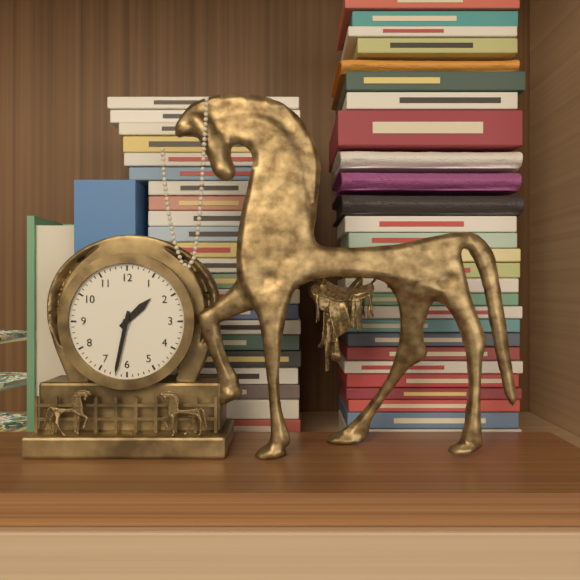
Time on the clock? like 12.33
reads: 1.32
